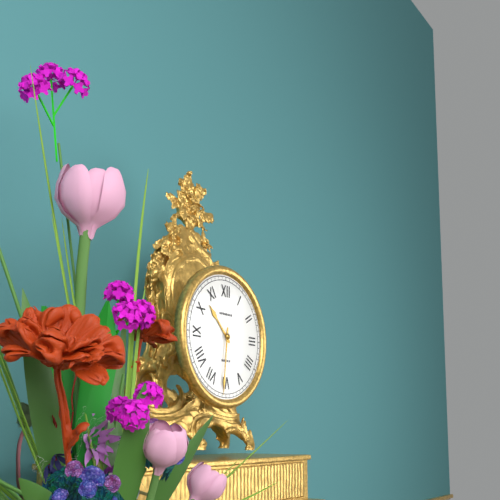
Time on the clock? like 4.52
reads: 10.31
